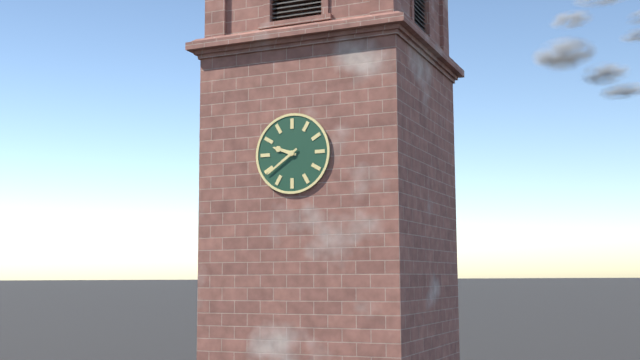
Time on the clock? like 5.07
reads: 9.39
